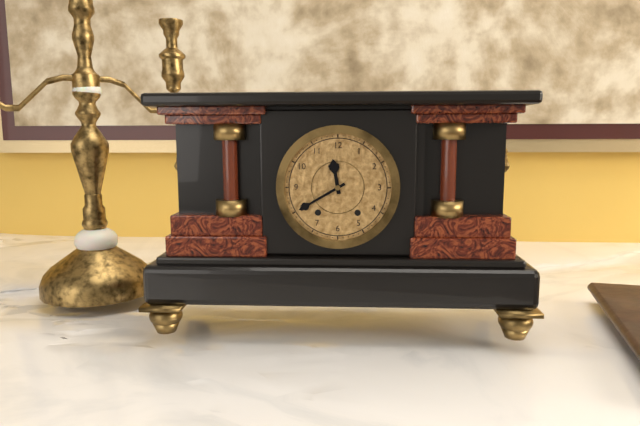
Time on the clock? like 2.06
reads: 11.40
